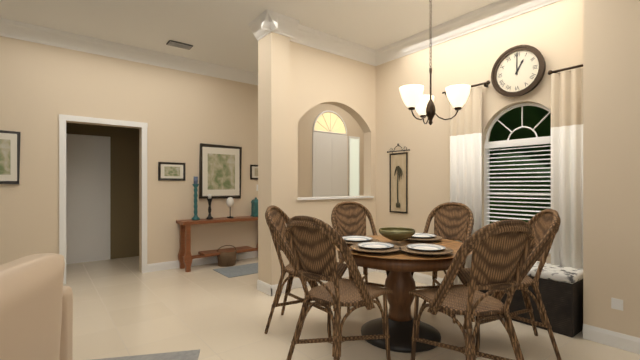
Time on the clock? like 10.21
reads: 1.00
